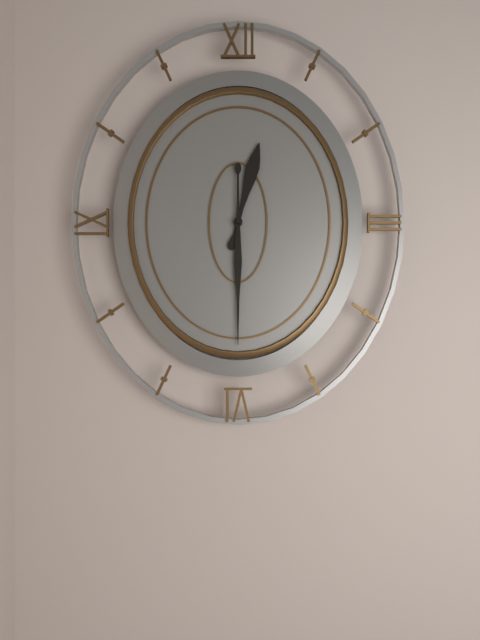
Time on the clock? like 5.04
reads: 12.30
